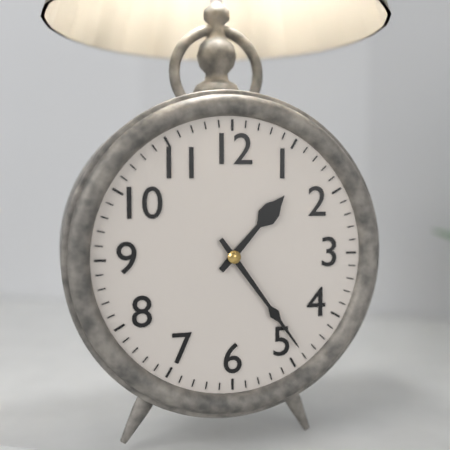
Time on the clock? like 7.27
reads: 1.24
